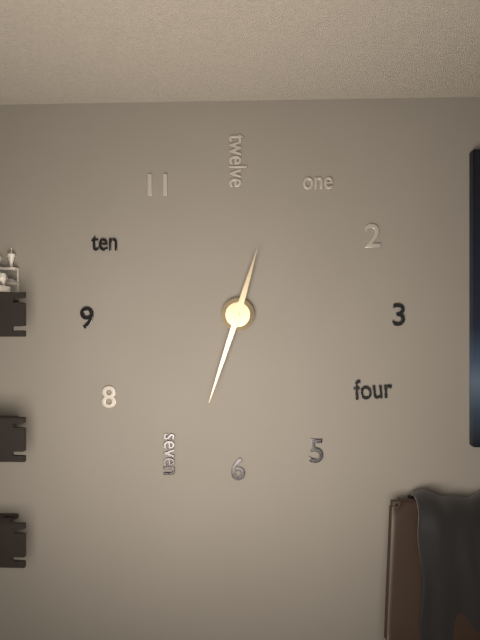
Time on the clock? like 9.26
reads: 12.33
